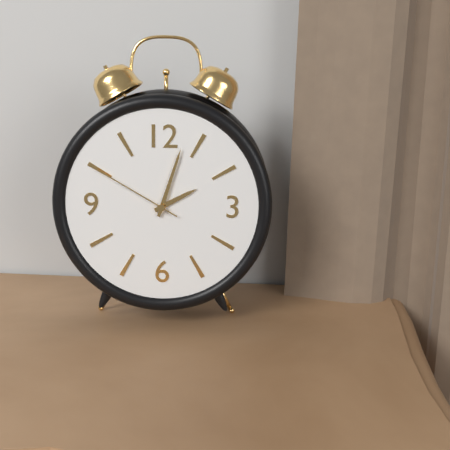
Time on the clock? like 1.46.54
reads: 2.03.50
